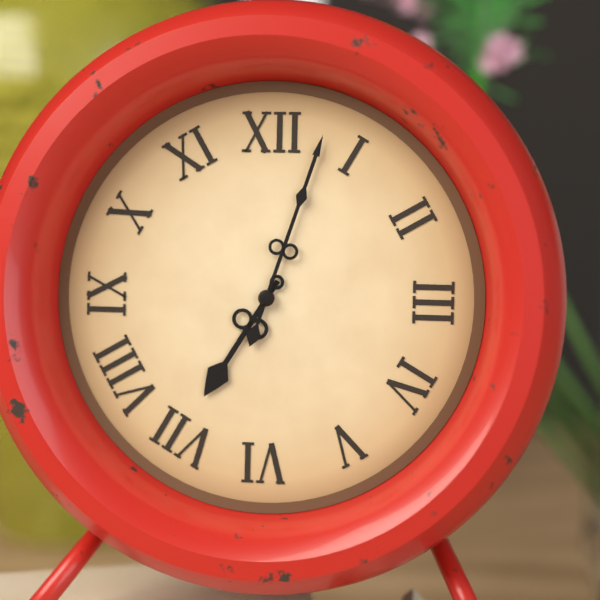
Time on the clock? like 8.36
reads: 7.03
